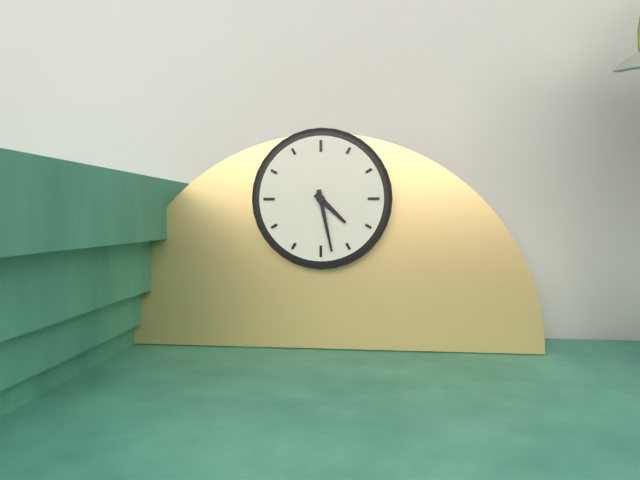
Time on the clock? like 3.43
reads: 4.28
